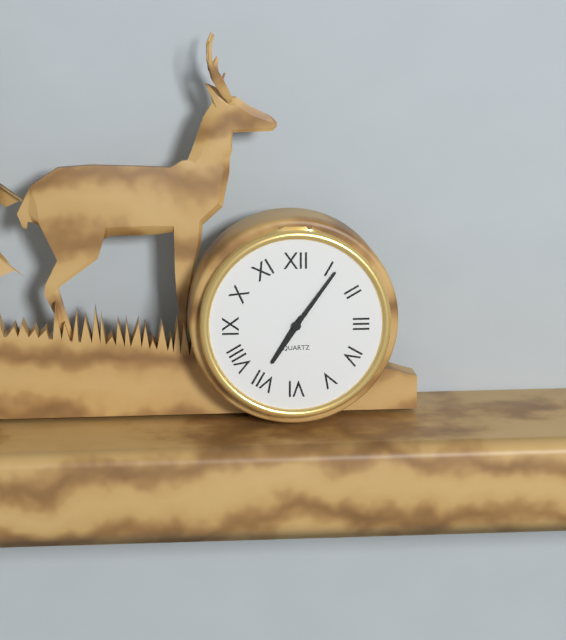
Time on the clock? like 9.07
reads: 7.06
